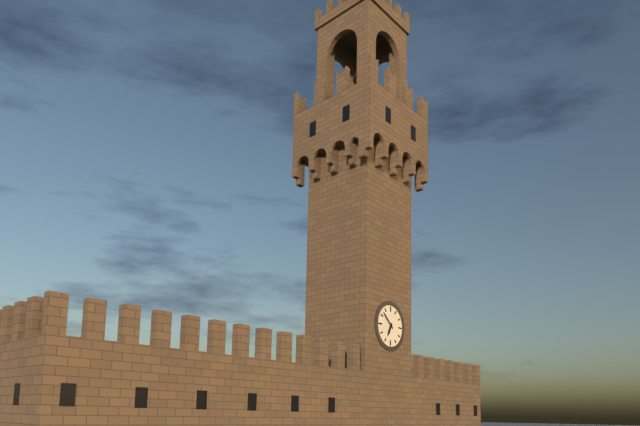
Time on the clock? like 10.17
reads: 6.52
